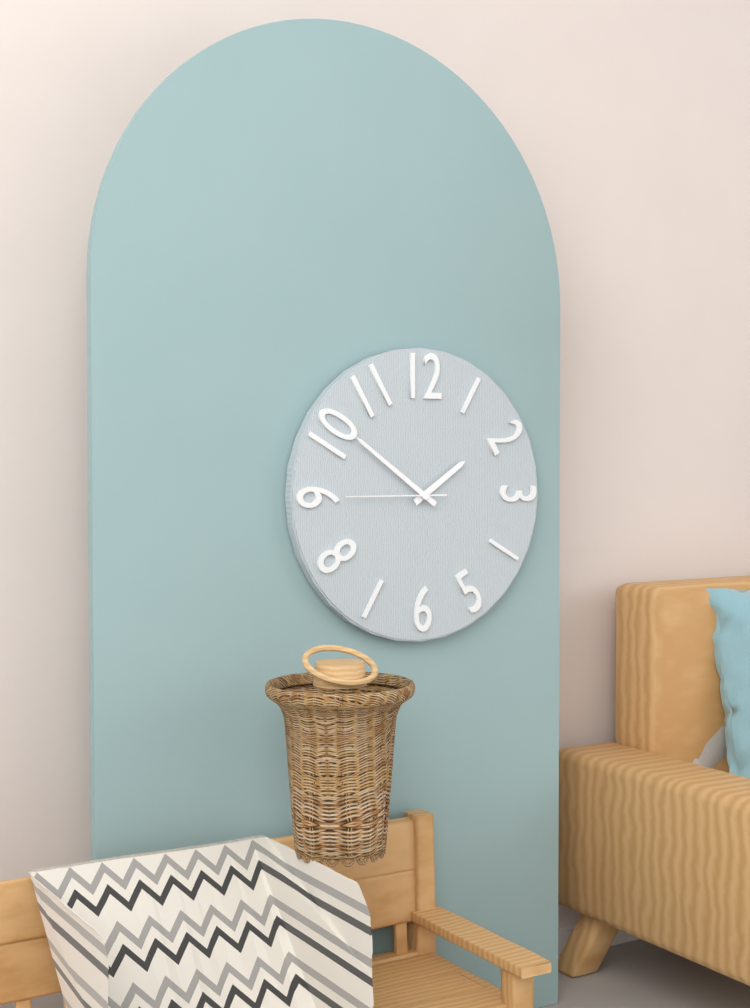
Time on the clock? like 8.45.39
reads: 1.51.45
